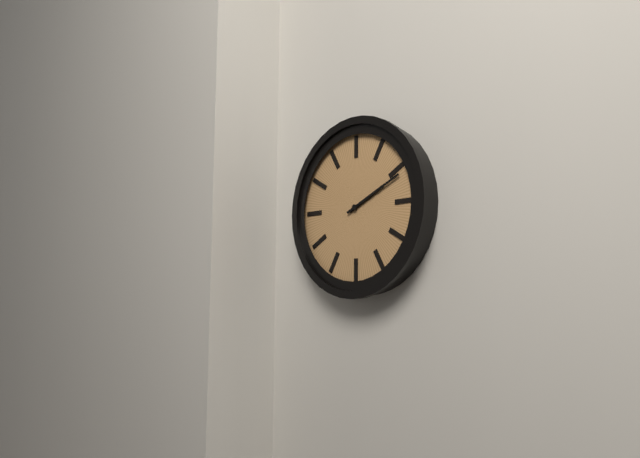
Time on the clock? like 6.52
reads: 2.11
